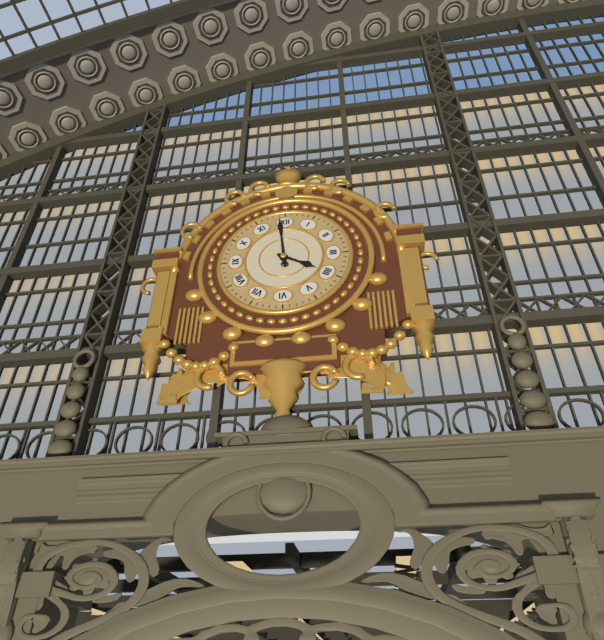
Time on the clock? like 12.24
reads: 3.59
